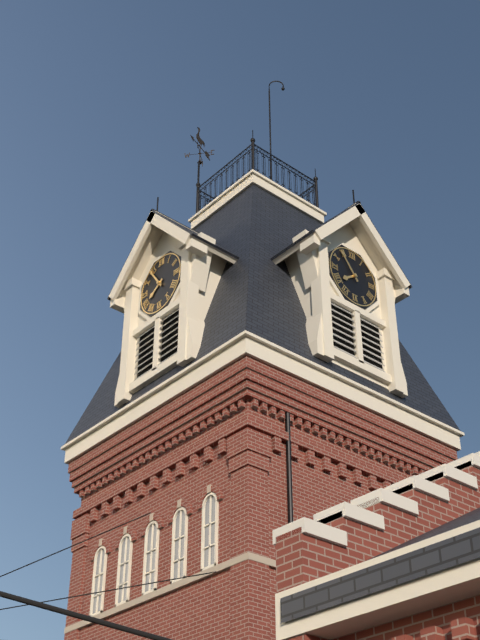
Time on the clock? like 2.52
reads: 7.54
